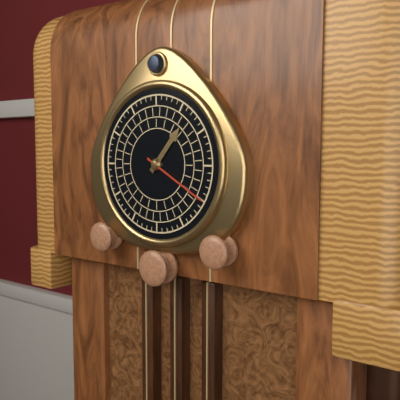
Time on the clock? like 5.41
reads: 1.20
